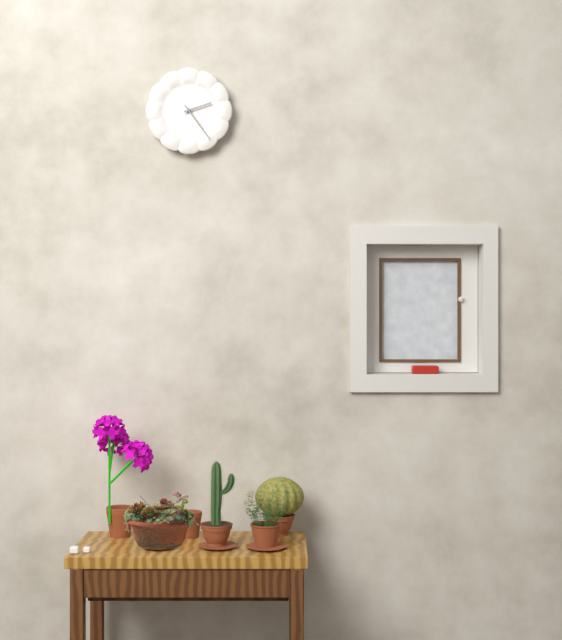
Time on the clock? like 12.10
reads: 2.24
